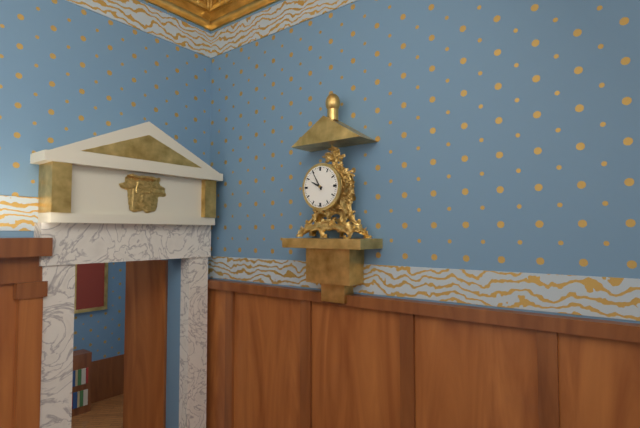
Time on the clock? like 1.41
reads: 9.55
